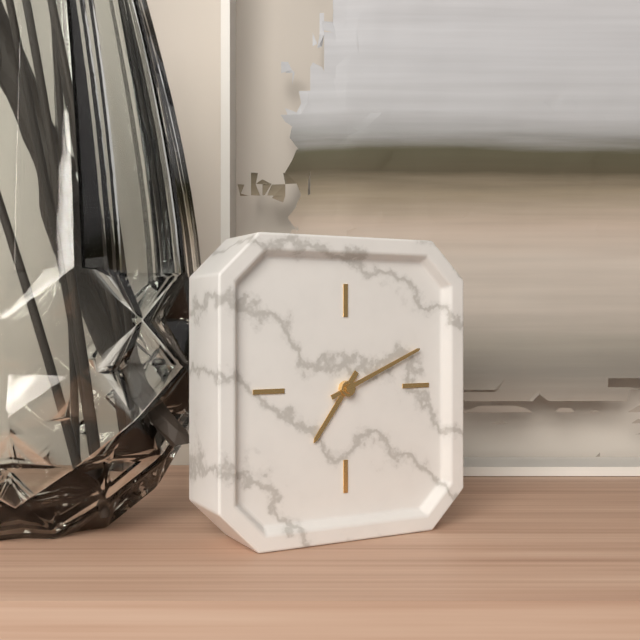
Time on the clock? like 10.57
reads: 7.11
